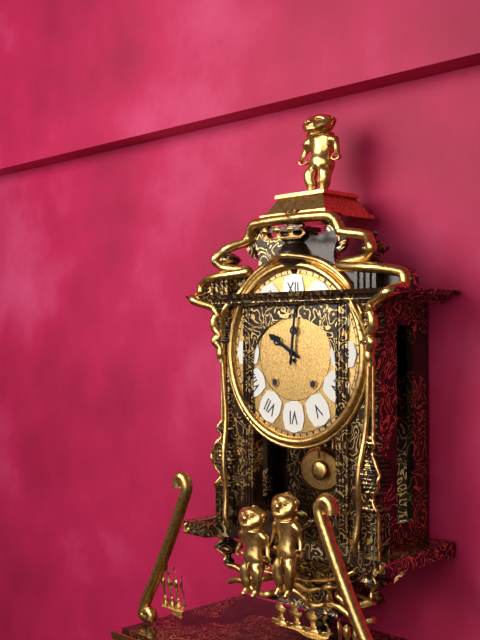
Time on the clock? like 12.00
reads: 10.01
